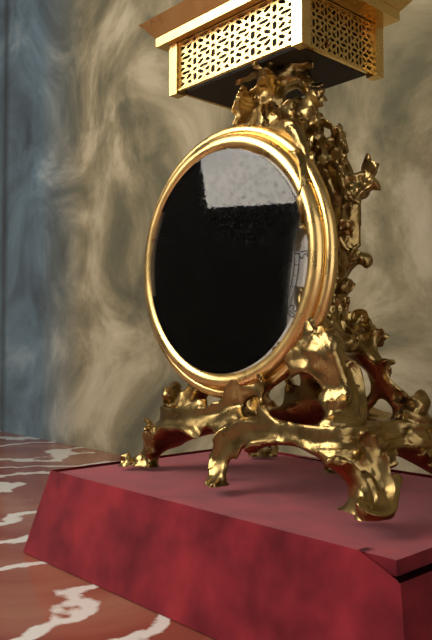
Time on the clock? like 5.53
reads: 4.13
